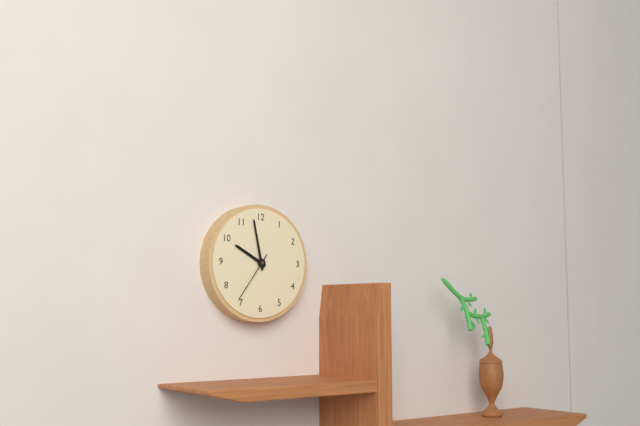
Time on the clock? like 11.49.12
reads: 9.58.36
